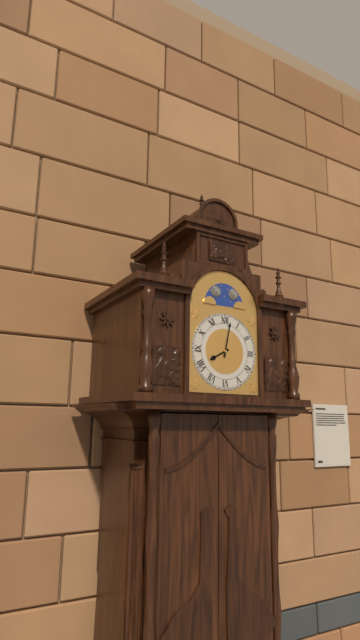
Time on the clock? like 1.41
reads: 8.02
